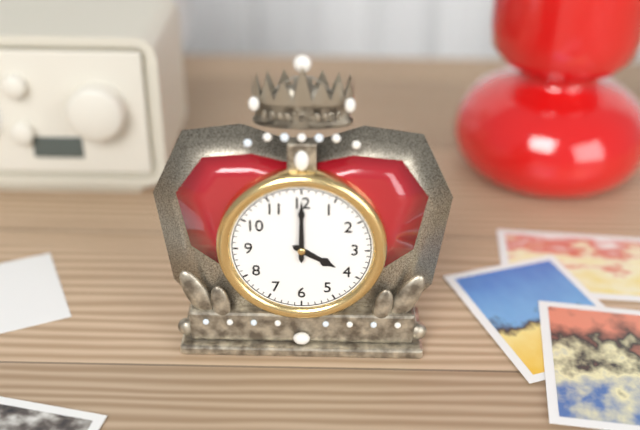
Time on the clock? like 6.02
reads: 4.00
